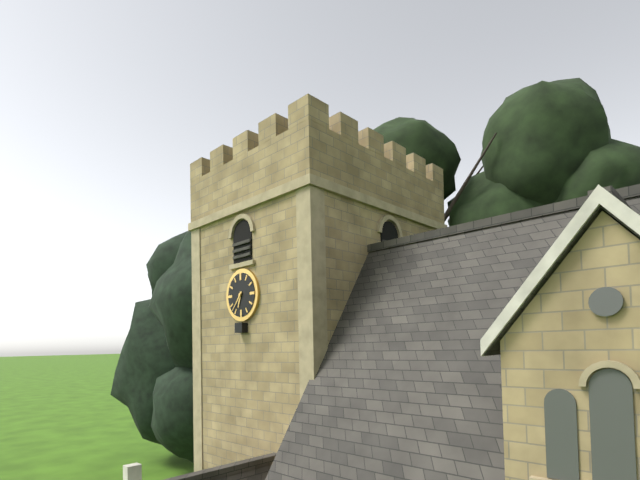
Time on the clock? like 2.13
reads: 6.37
